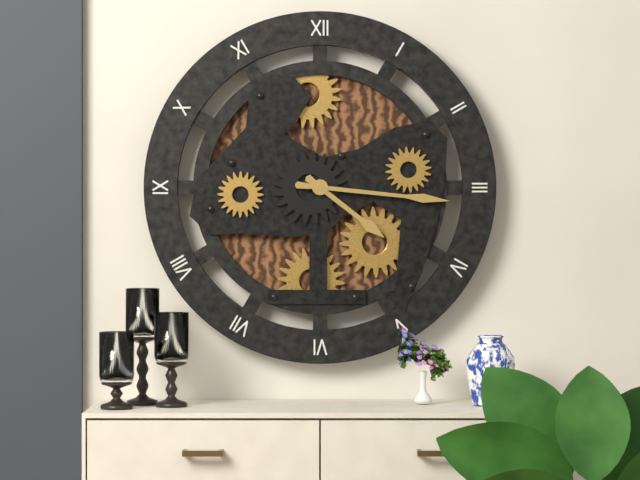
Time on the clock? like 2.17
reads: 4.16
